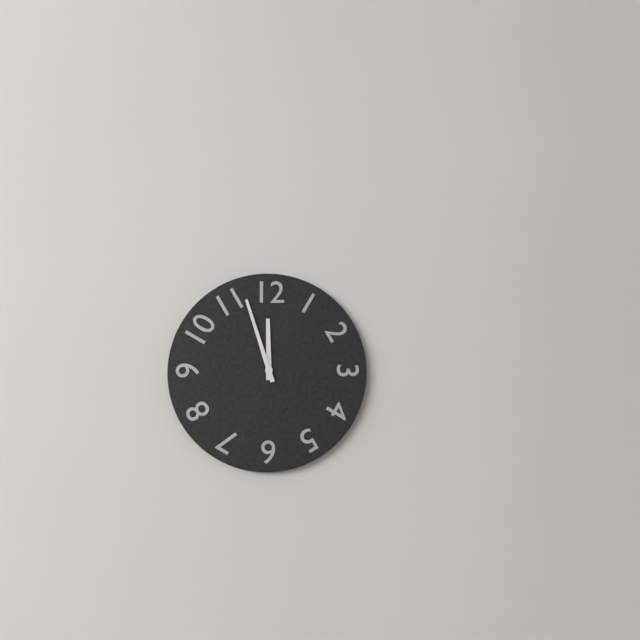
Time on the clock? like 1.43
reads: 11.57
